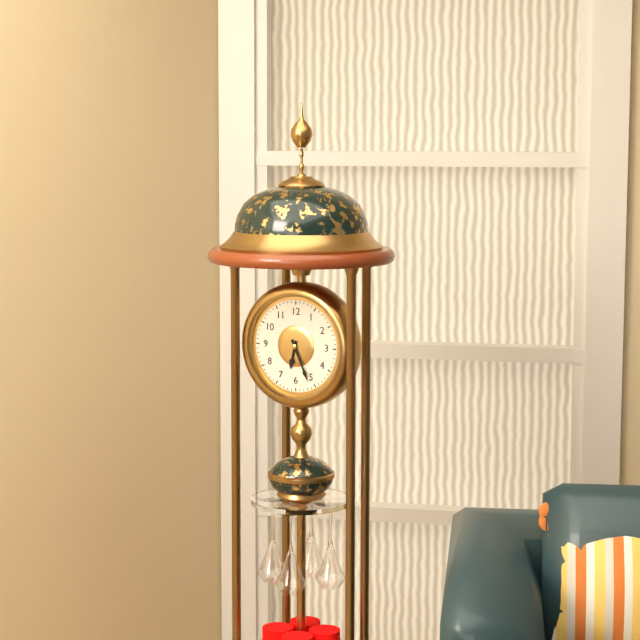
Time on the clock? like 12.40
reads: 6.26
